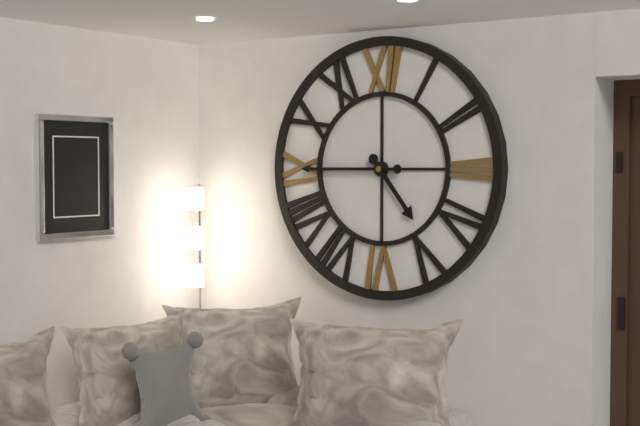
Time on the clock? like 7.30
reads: 4.45
